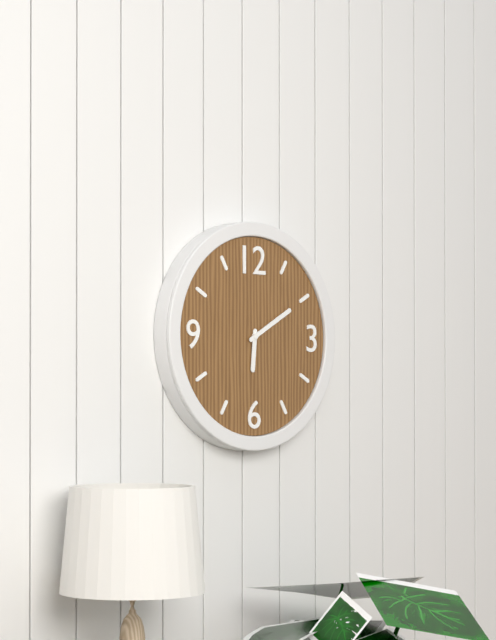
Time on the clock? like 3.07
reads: 6.10
